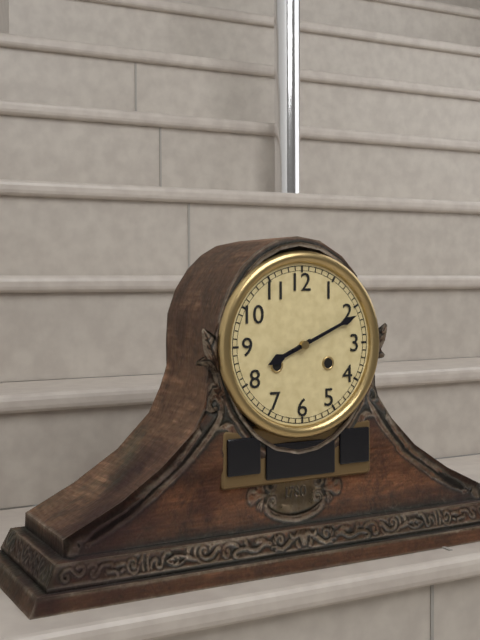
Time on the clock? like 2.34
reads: 8.11
